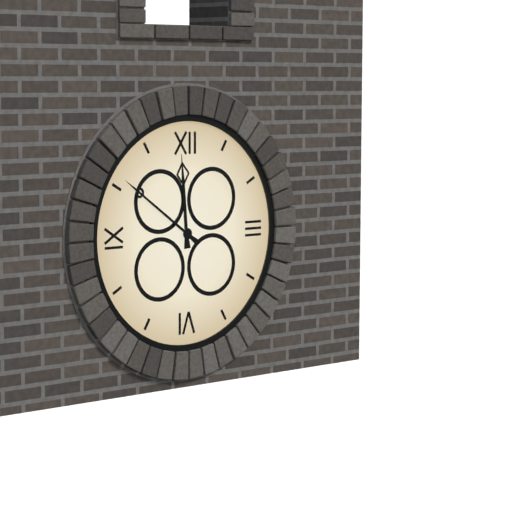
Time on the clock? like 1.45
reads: 11.51
